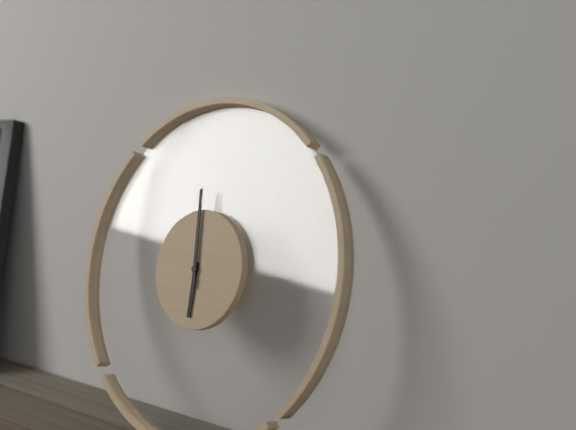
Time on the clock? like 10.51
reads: 5.59
